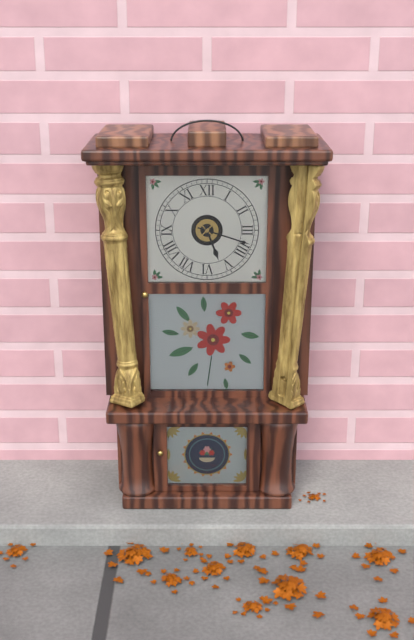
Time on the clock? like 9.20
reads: 5.18
